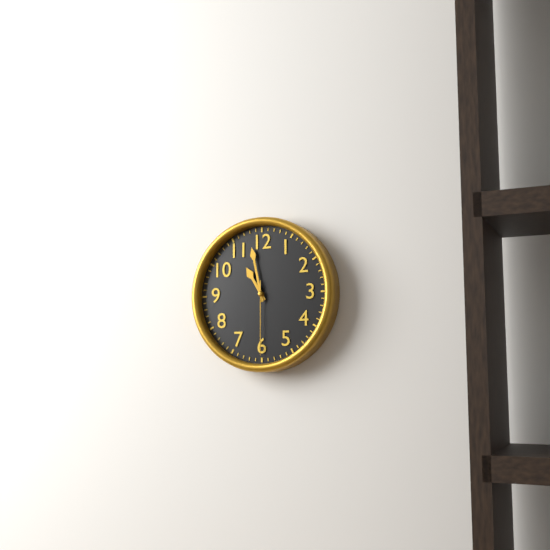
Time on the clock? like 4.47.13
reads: 10.58.30
